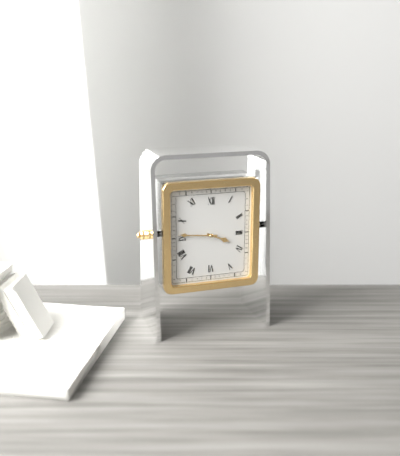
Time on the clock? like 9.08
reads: 3.46
